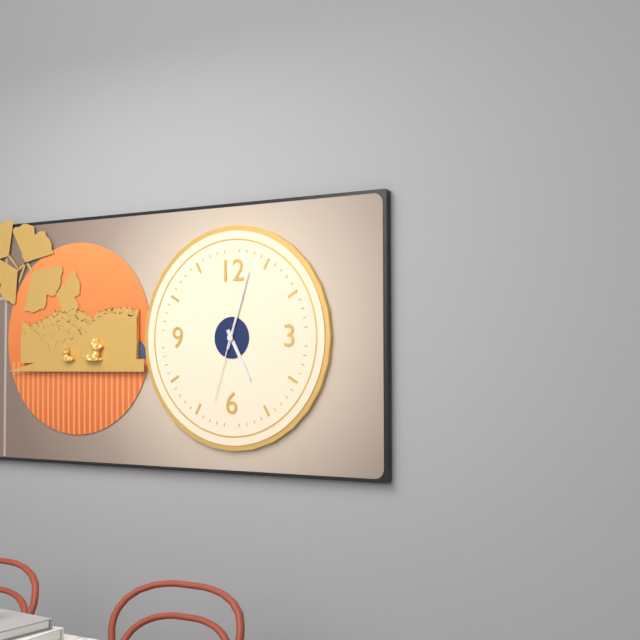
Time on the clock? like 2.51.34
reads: 5.03.33
